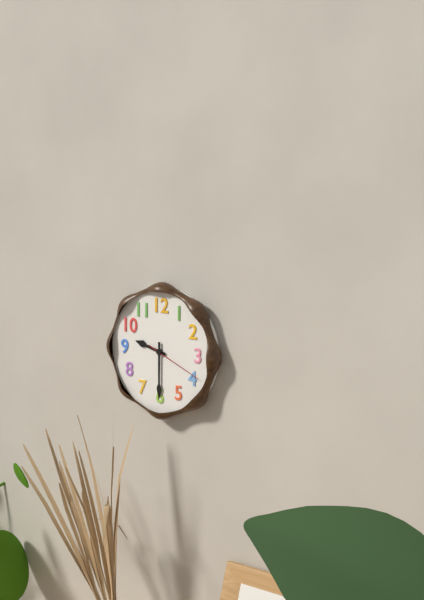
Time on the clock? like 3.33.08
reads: 9.30.19
